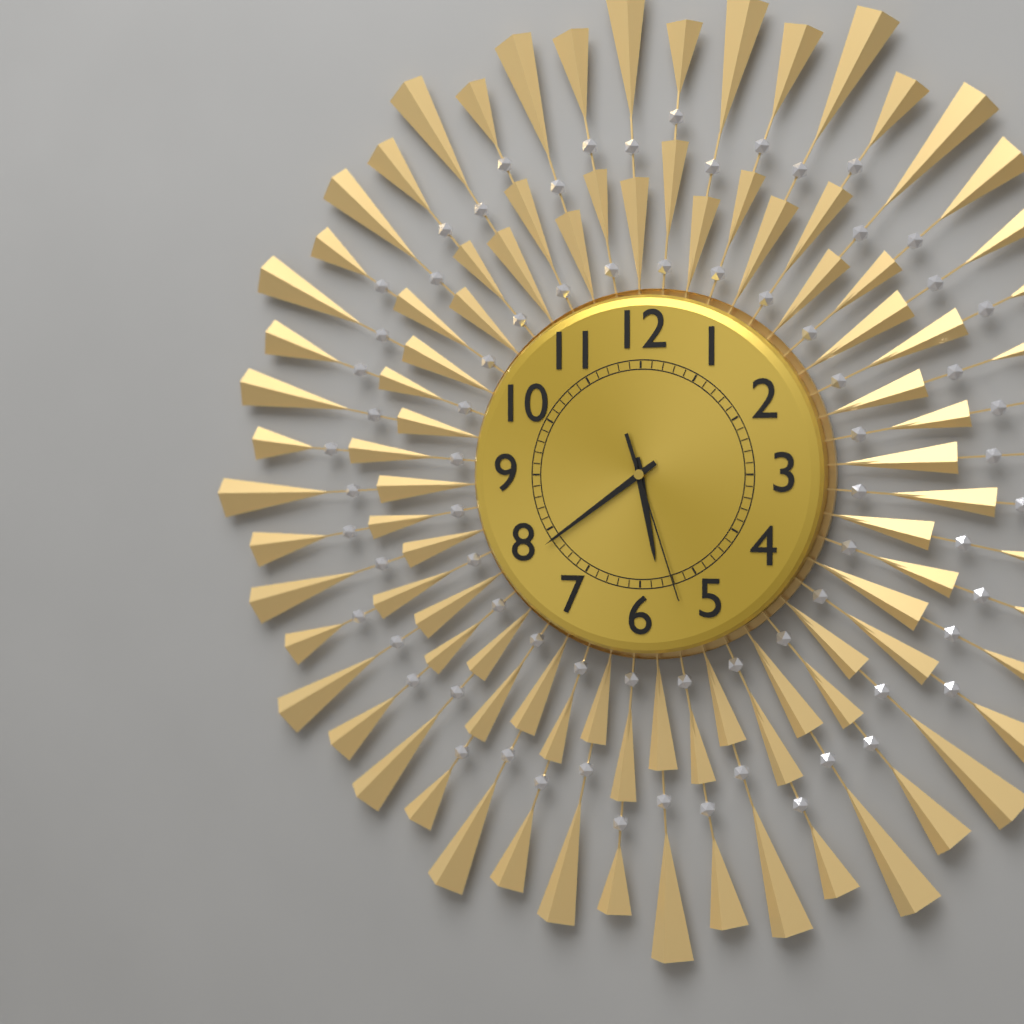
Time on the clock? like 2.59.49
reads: 5.39.27
